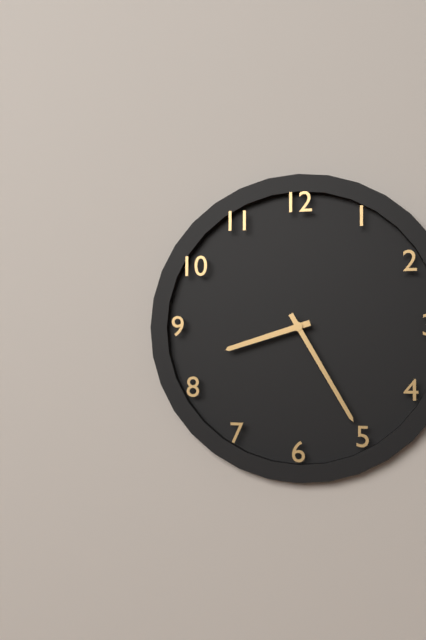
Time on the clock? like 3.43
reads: 8.25
